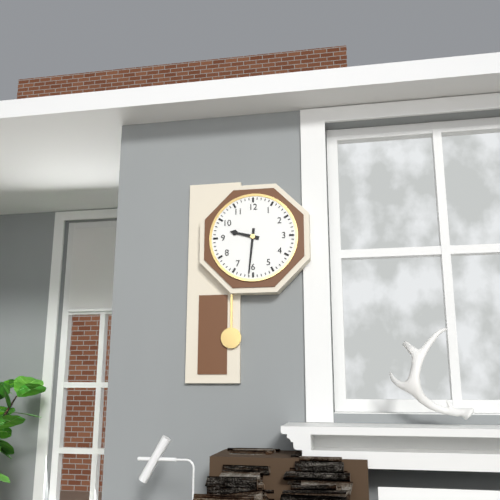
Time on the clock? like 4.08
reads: 9.31
